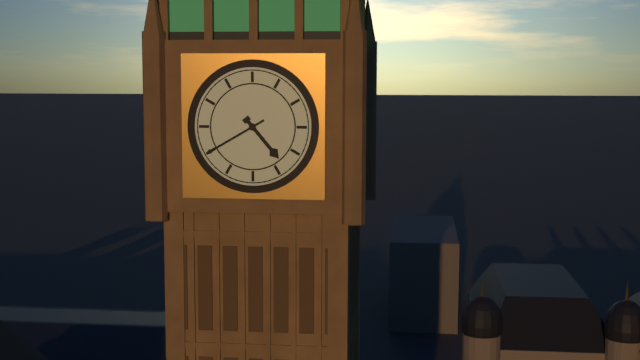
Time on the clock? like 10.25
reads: 4.40
